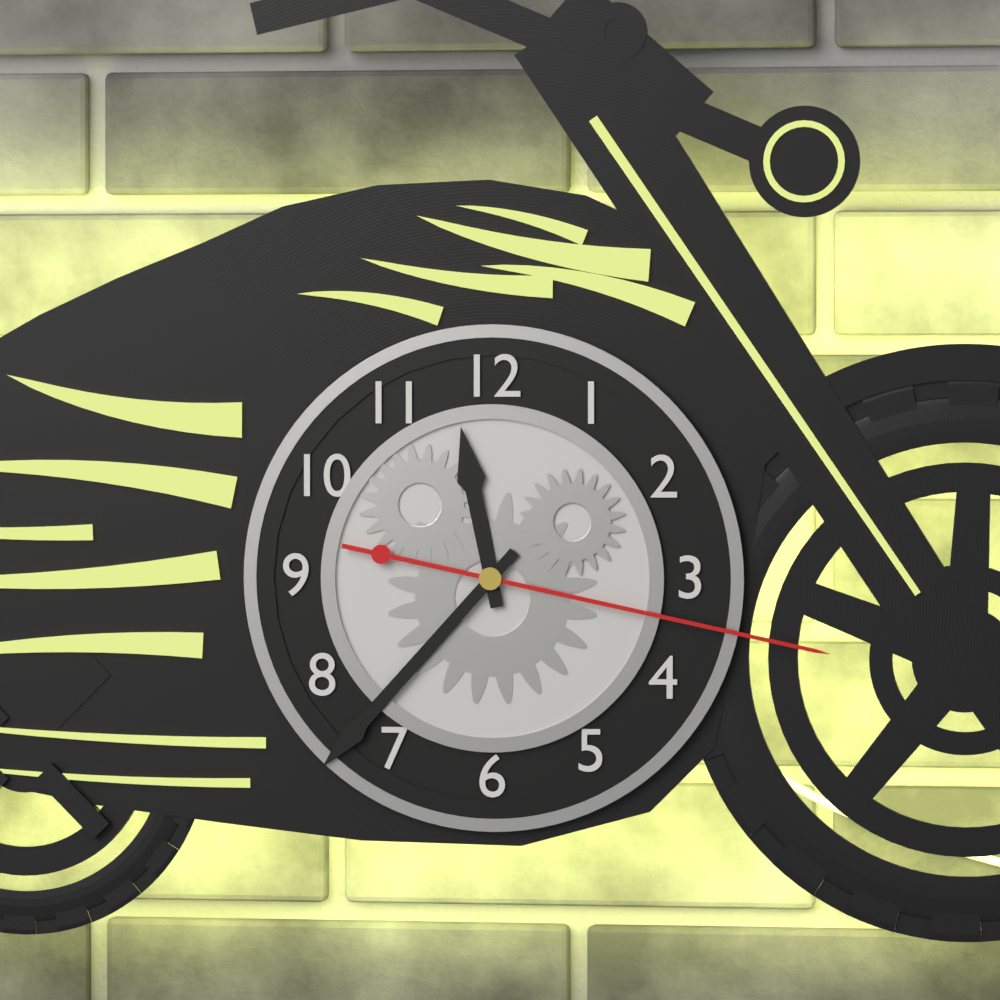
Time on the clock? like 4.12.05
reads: 11.37.17
